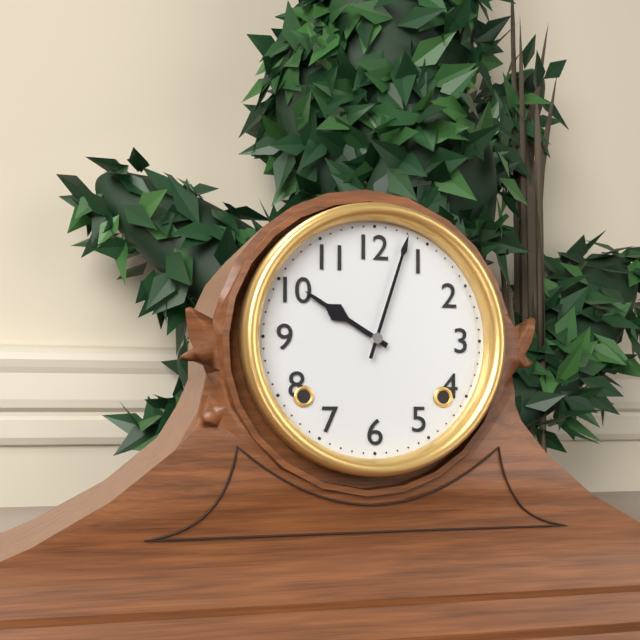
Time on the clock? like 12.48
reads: 10.03
